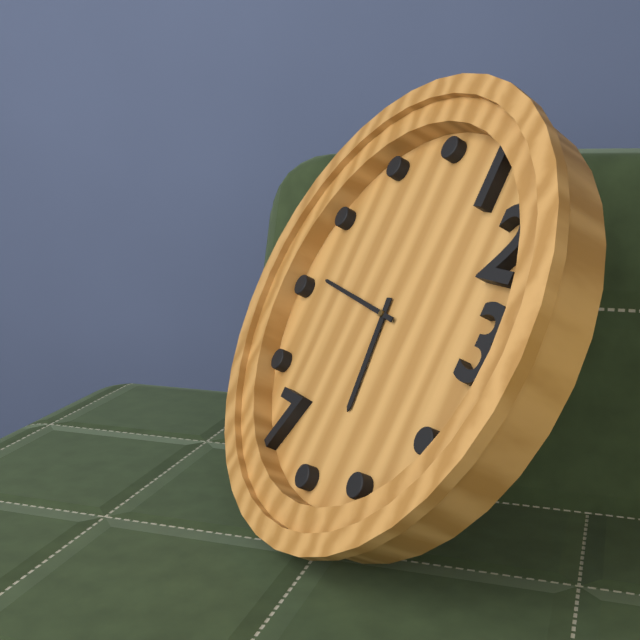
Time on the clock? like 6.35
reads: 5.46
